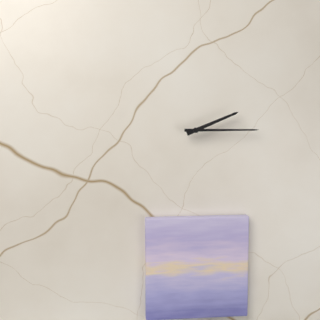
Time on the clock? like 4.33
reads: 2.15
